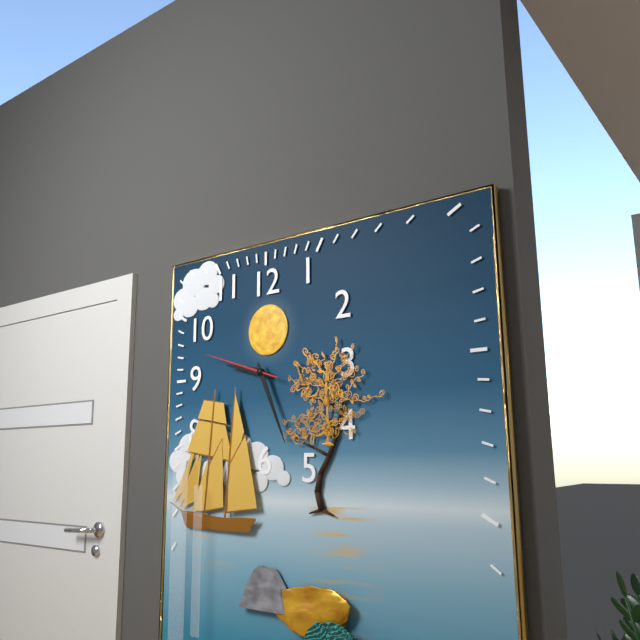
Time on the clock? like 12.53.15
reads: 9.26.48
